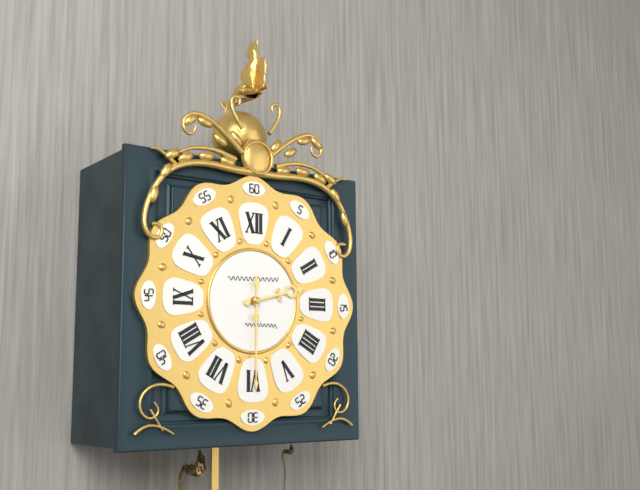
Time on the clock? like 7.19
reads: 2.30
